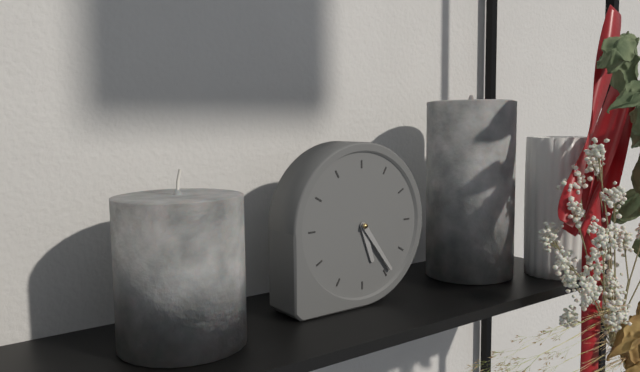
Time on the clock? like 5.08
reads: 5.24
